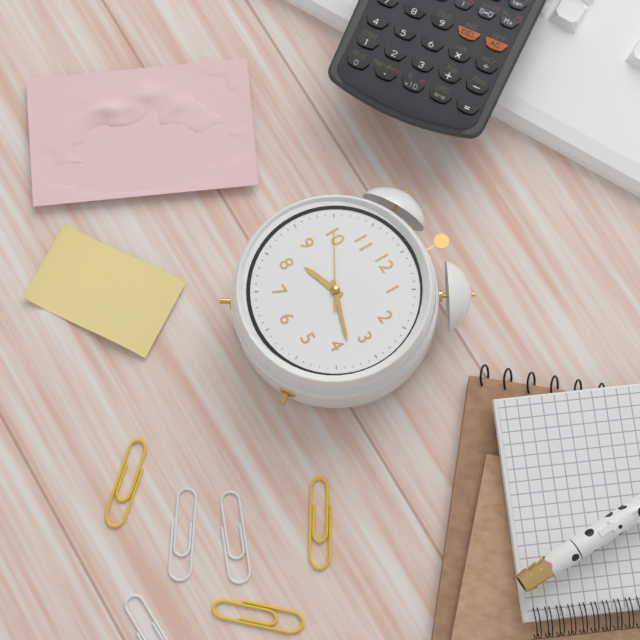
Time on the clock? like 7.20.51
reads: 8.18.50
